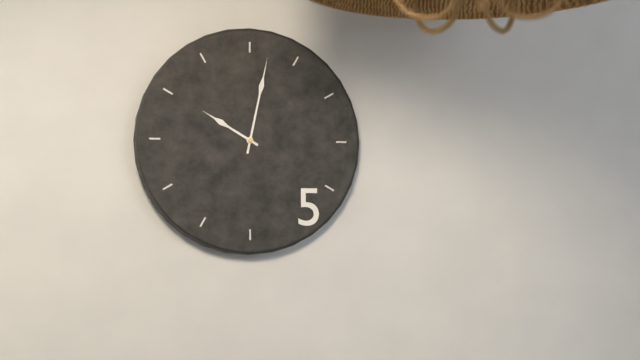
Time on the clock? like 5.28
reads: 10.02
